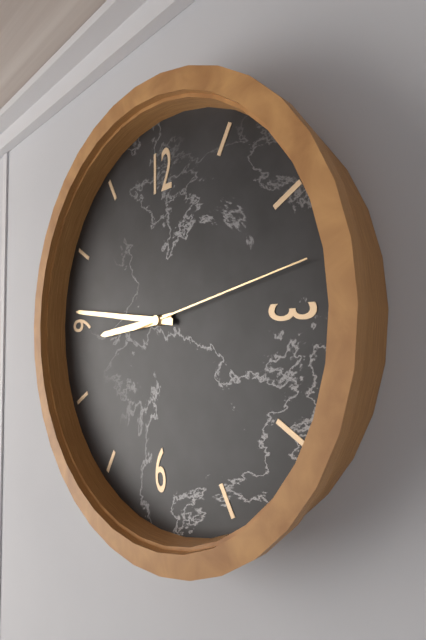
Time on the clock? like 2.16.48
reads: 8.46.13
